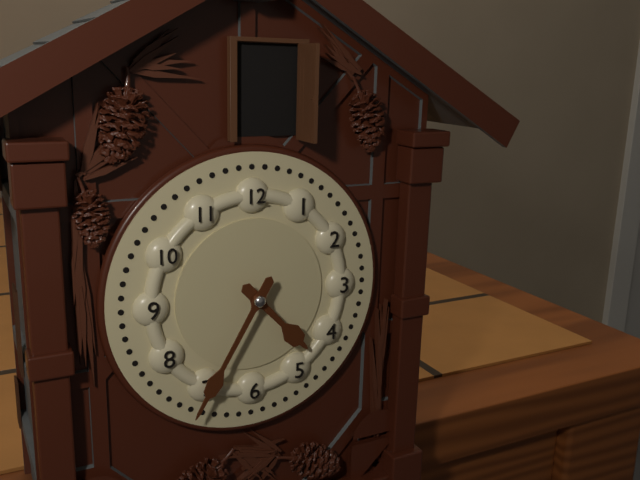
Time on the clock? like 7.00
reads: 4.35
